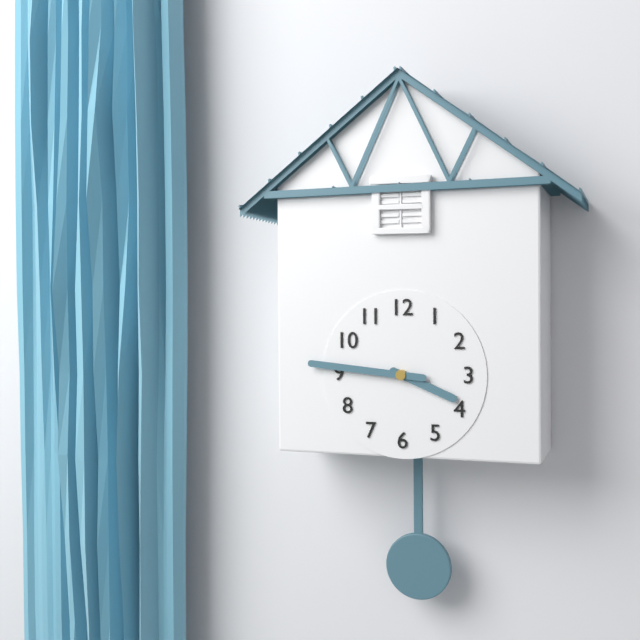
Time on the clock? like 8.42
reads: 3.46
